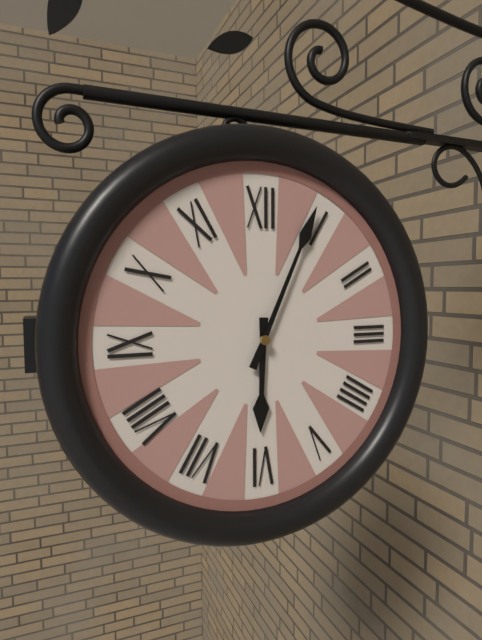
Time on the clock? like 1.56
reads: 6.04
